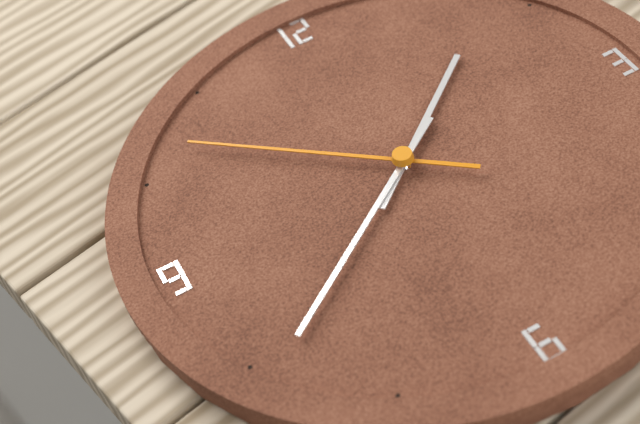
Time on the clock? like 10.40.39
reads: 1.39.52
